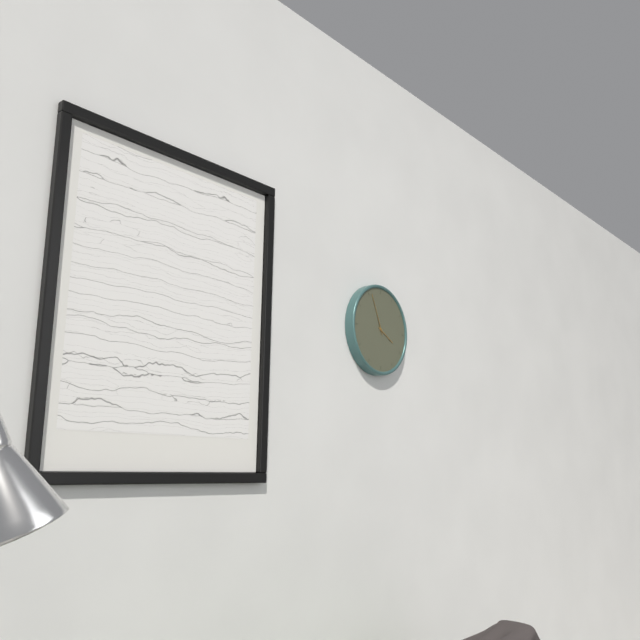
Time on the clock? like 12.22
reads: 3.56
